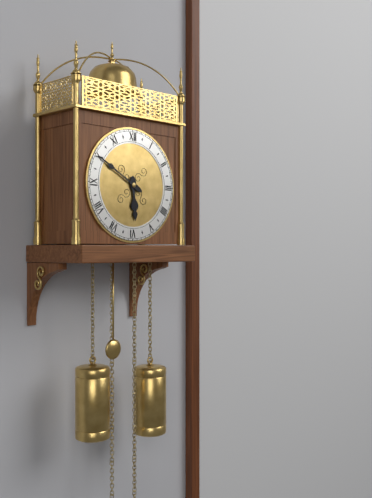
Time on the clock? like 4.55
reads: 5.50
